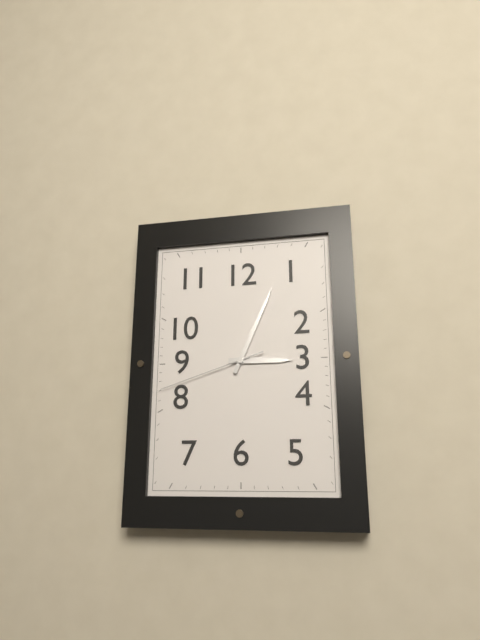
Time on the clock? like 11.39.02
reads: 3.04.42
